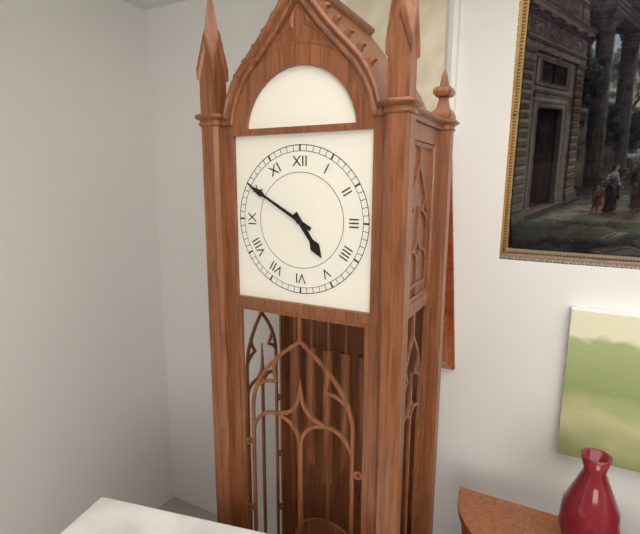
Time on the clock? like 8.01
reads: 4.50
